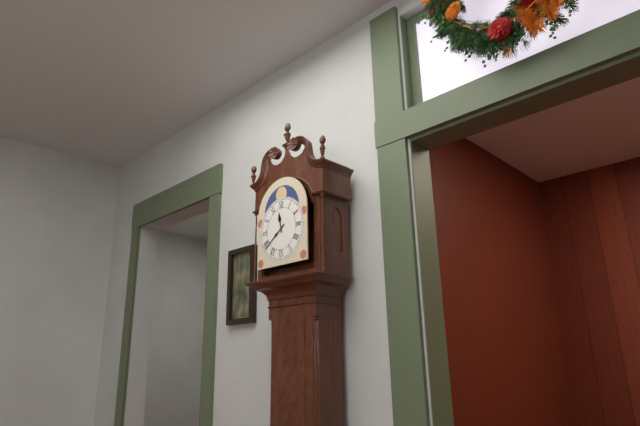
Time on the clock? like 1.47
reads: 11.39
